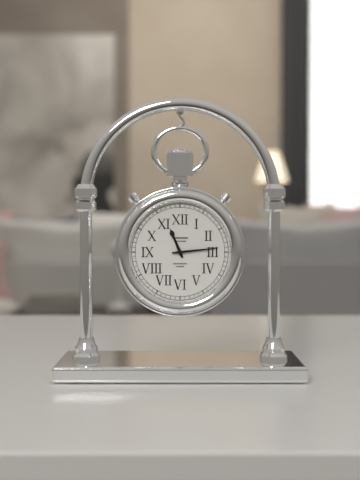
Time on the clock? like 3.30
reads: 11.14
